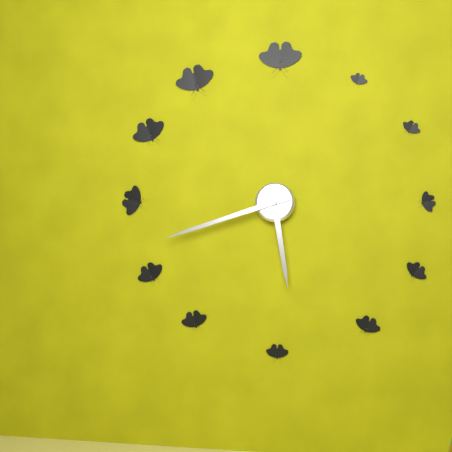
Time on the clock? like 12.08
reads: 5.42
